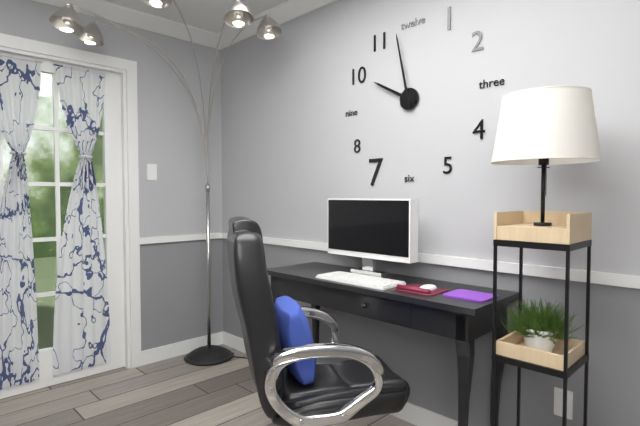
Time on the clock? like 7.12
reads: 9.58
